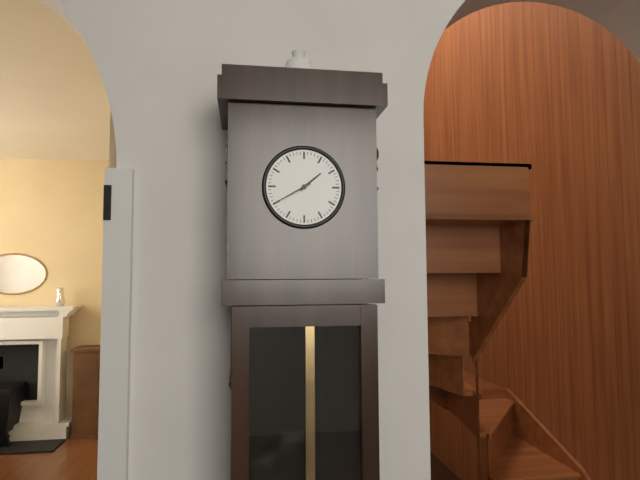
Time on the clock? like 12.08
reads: 1.40
